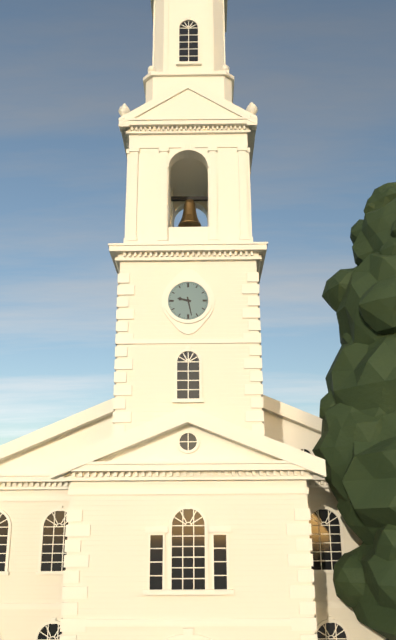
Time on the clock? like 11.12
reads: 9.28
